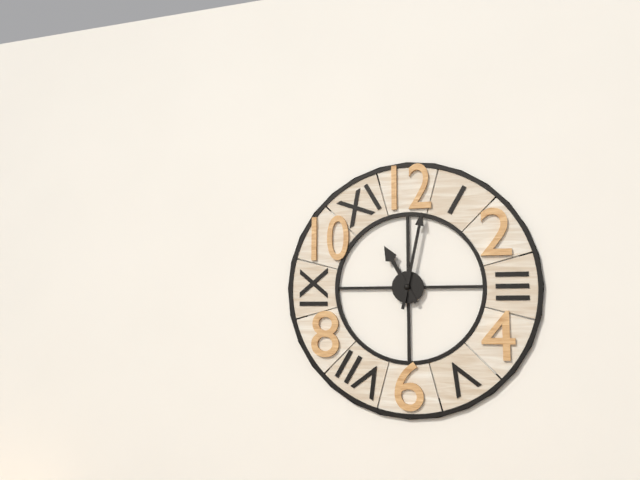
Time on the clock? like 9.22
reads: 11.02
